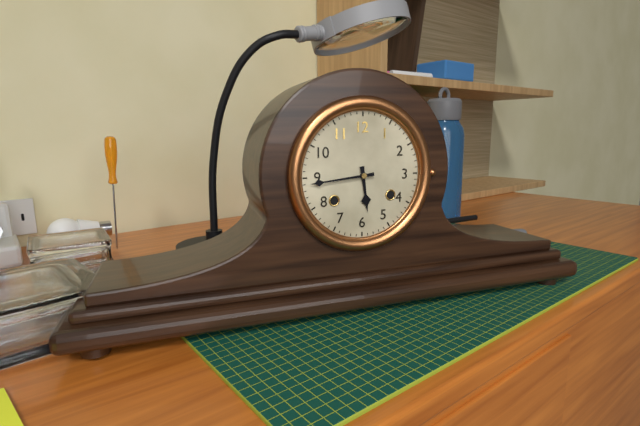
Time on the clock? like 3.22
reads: 5.44
